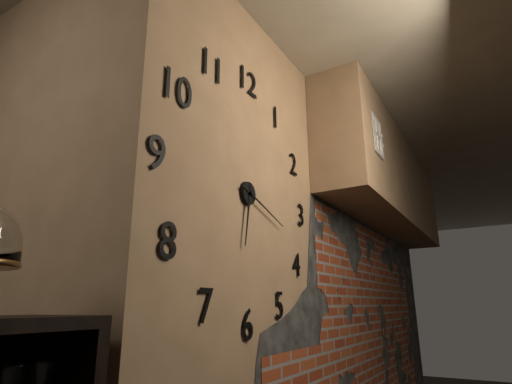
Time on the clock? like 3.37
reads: 6.18
